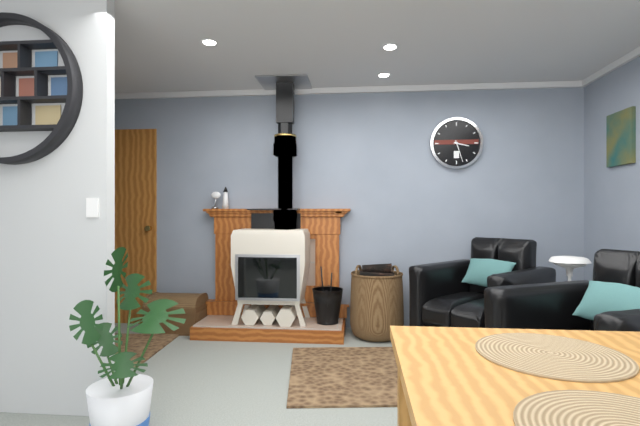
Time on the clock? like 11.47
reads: 3.27
